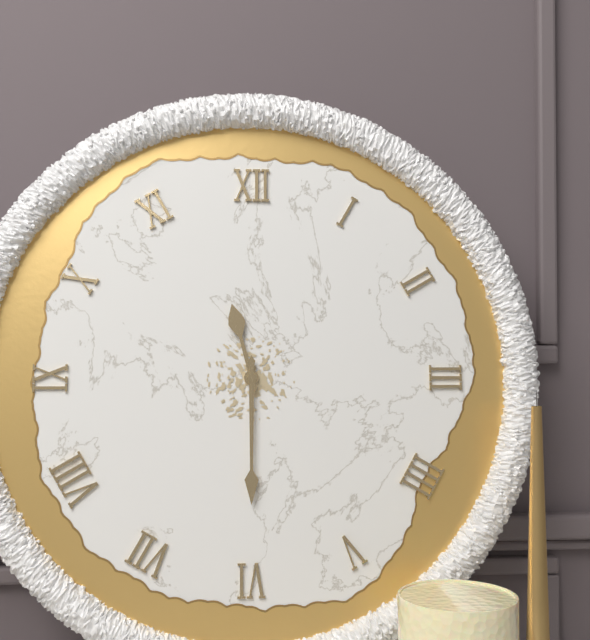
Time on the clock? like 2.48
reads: 11.30
